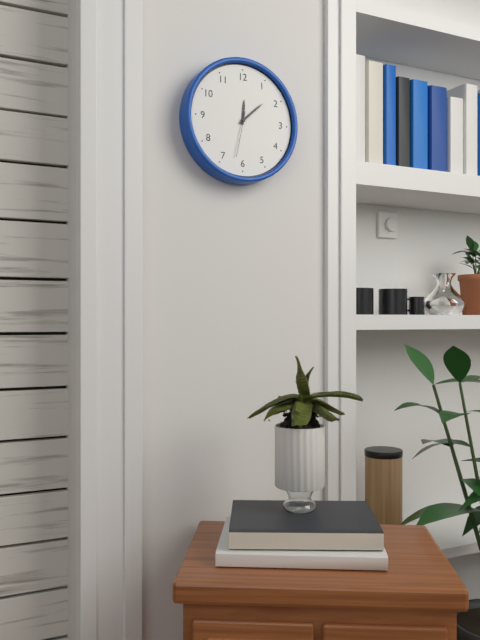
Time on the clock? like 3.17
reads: 12.08
